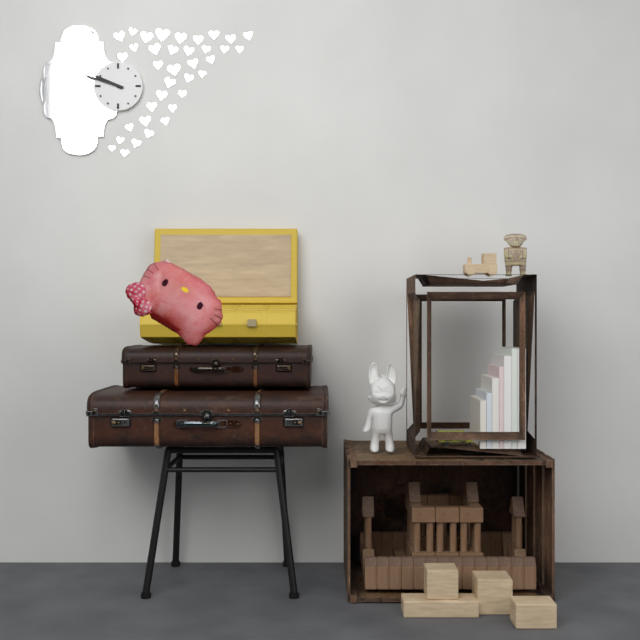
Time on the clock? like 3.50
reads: 9.48
